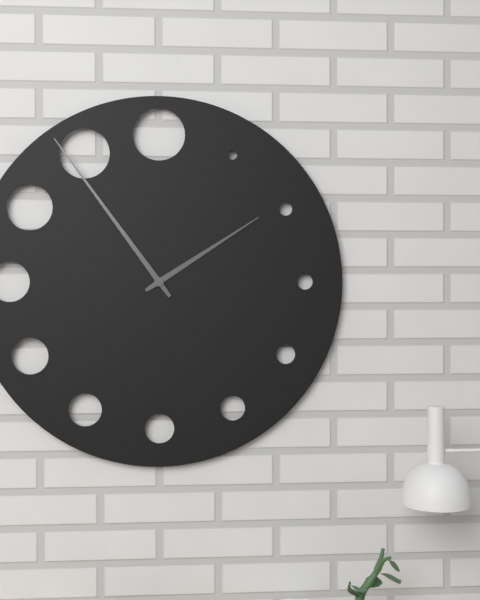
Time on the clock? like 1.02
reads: 1.54
